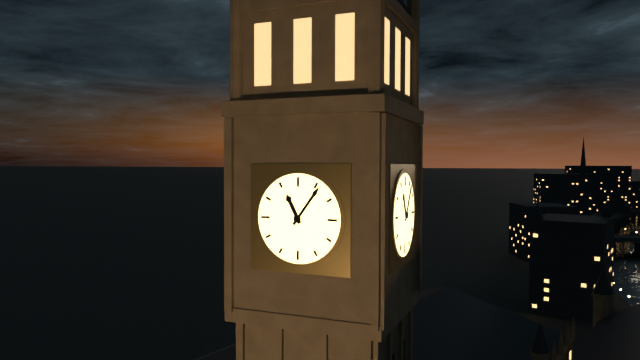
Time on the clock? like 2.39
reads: 11.06
